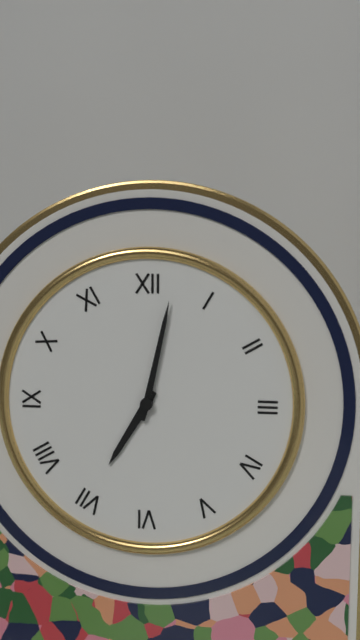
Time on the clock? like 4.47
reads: 7.02
